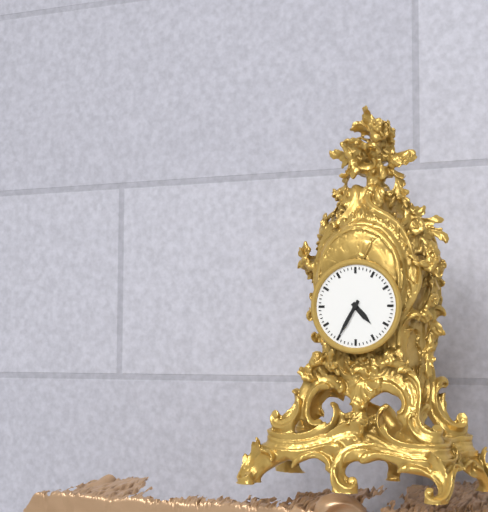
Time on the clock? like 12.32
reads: 4.35
